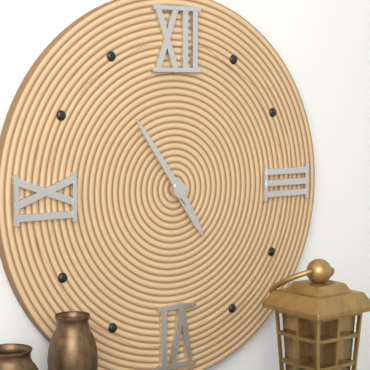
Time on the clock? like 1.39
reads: 4.54
